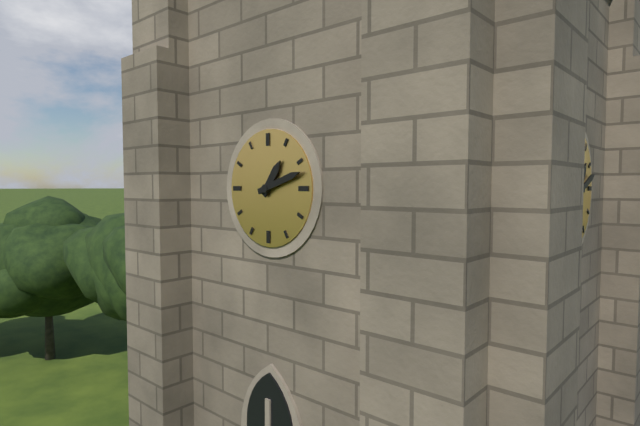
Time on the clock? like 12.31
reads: 1.12
